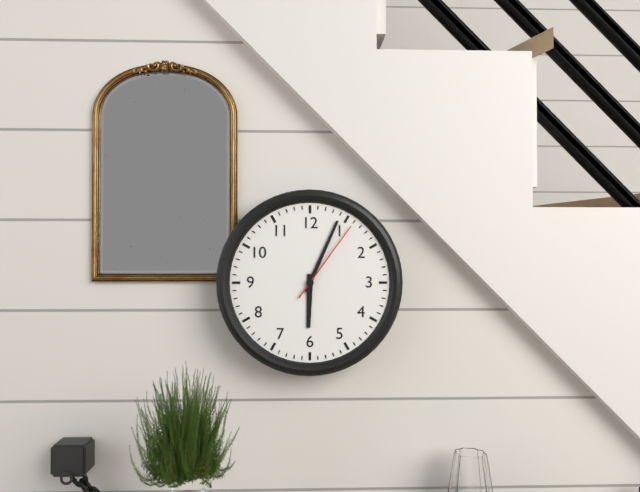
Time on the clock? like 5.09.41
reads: 6.04.06
